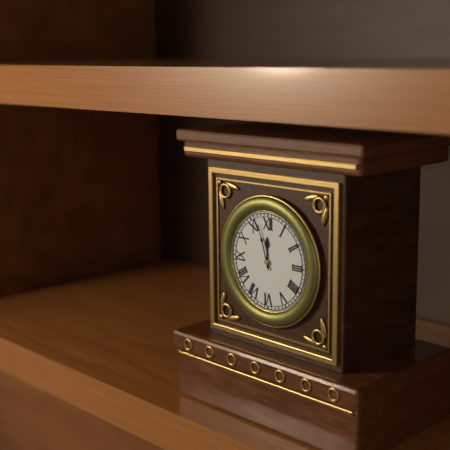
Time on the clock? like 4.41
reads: 11.57
